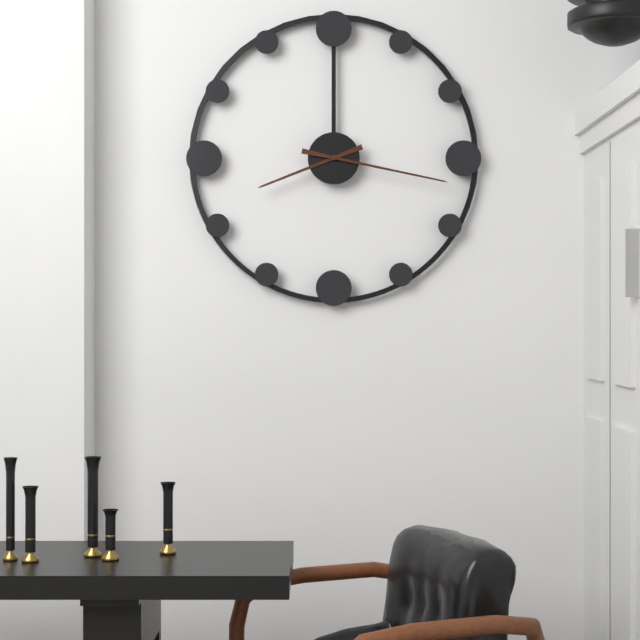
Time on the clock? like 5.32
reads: 8.17
